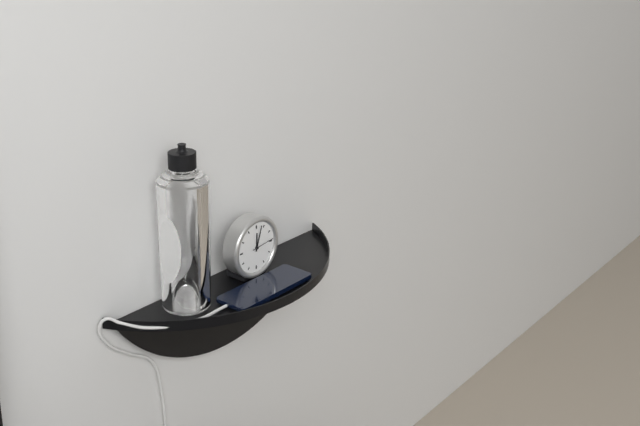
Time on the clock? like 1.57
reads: 12.03
